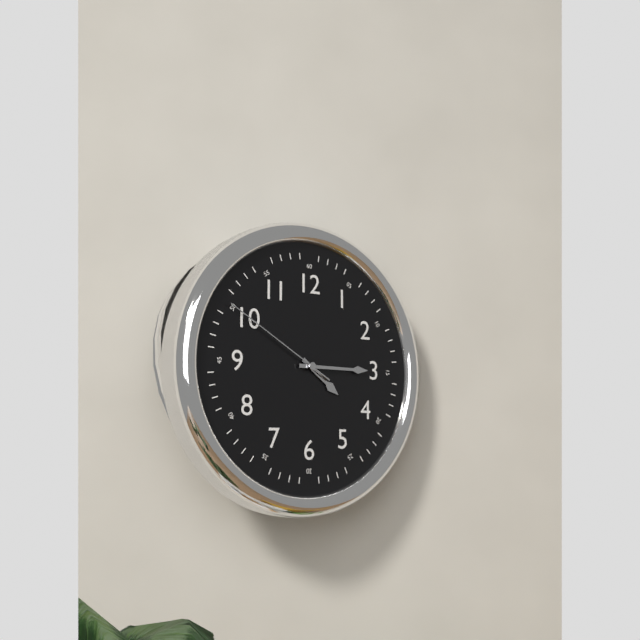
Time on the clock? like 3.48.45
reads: 4.15.50
